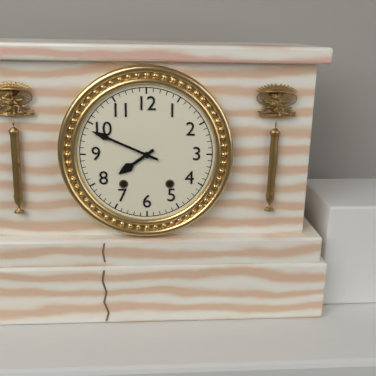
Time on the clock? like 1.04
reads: 7.49
